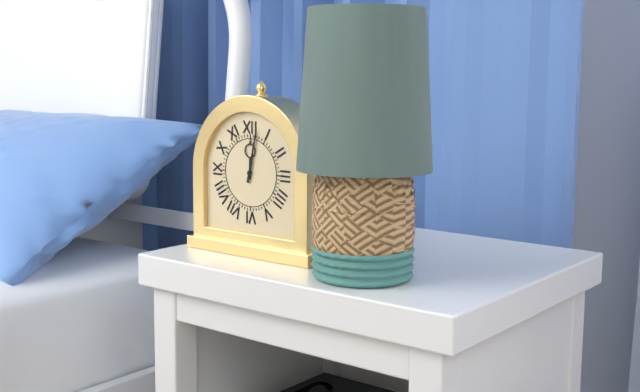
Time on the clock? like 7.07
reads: 12.02
